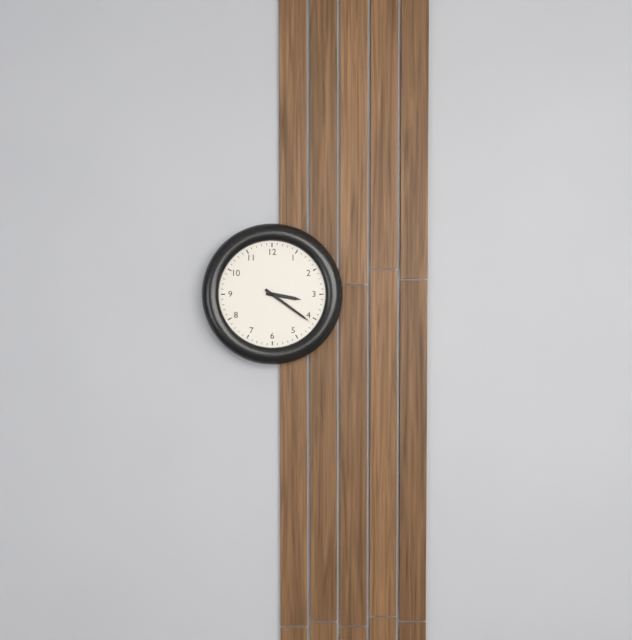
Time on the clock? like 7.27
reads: 3.21
